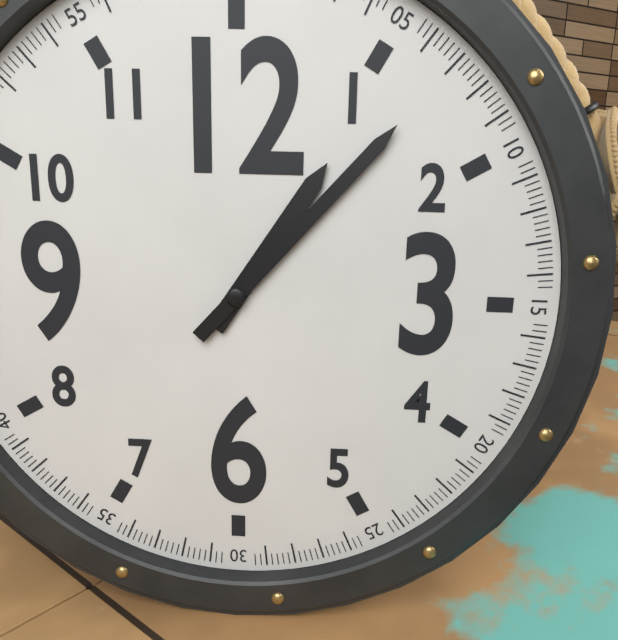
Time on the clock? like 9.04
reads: 1.07
